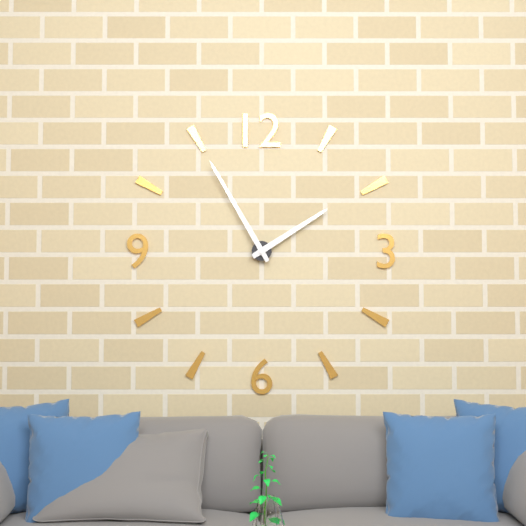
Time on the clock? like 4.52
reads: 1.55
